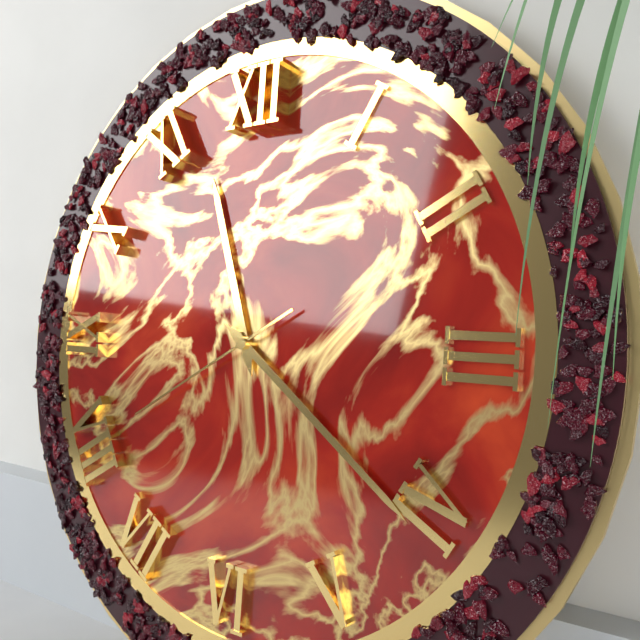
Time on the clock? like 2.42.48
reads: 11.21.40
